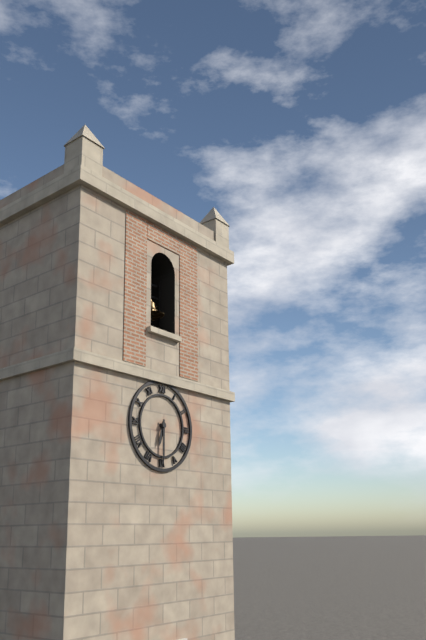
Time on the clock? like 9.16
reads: 6.30
